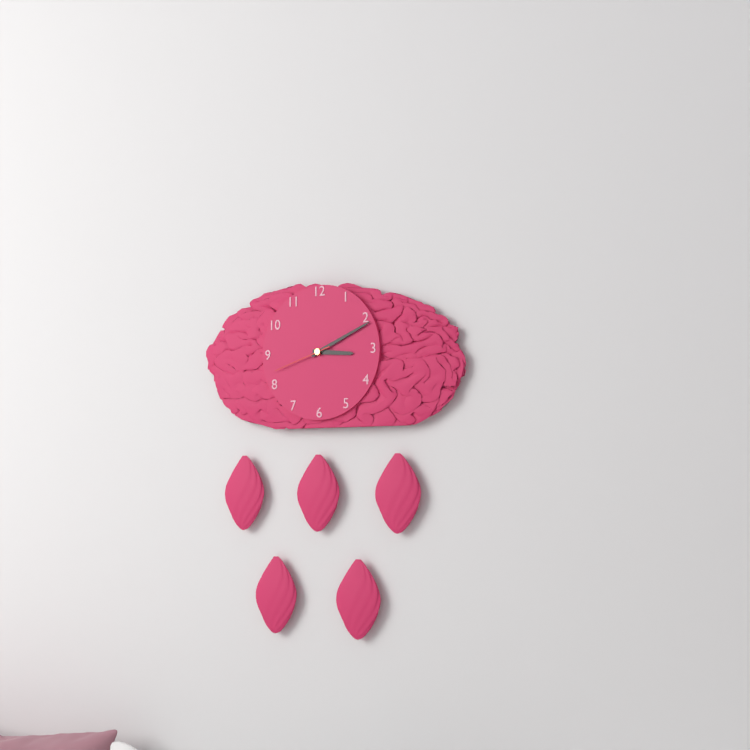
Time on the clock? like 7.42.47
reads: 3.11.42
